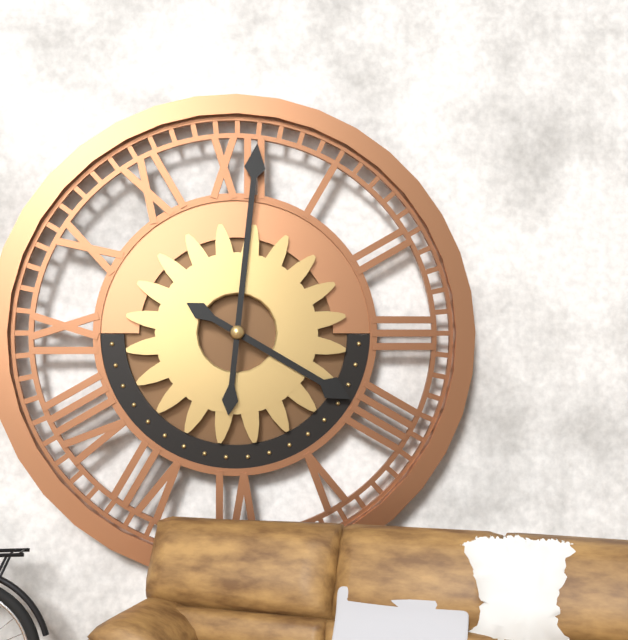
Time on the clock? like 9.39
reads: 4.01
